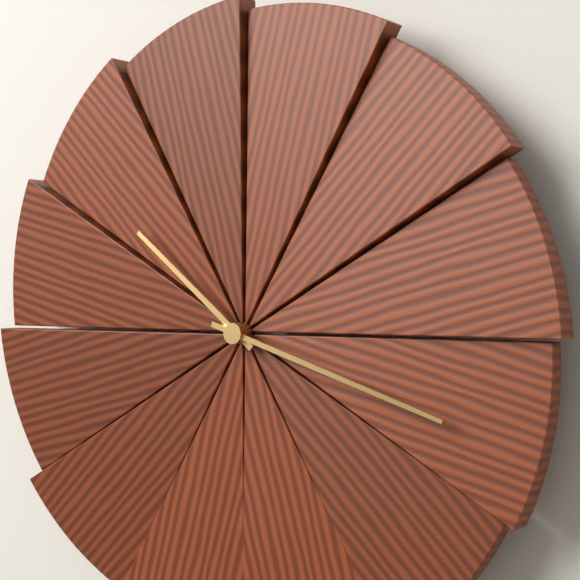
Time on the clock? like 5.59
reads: 10.18
